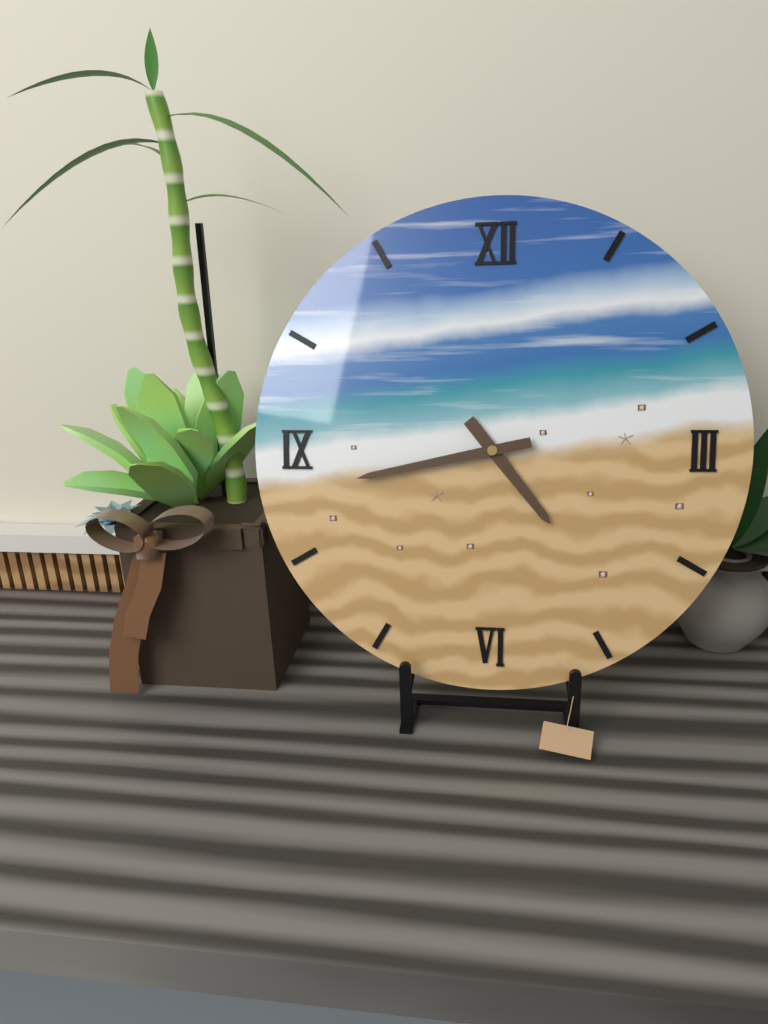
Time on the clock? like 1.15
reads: 4.43
